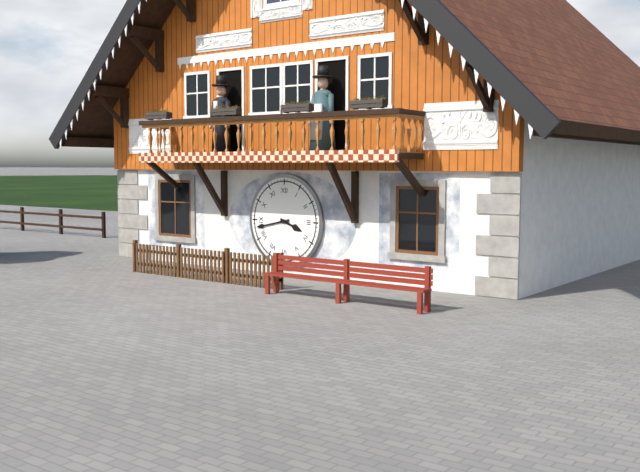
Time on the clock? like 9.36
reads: 3.43
